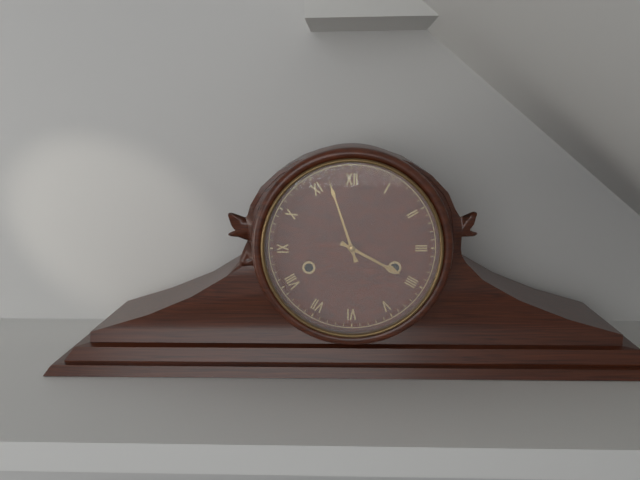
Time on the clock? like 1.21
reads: 3.57
